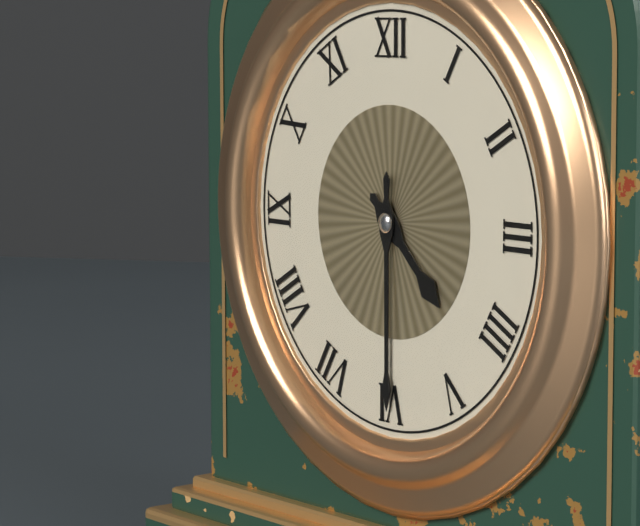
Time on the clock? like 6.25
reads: 4.30
